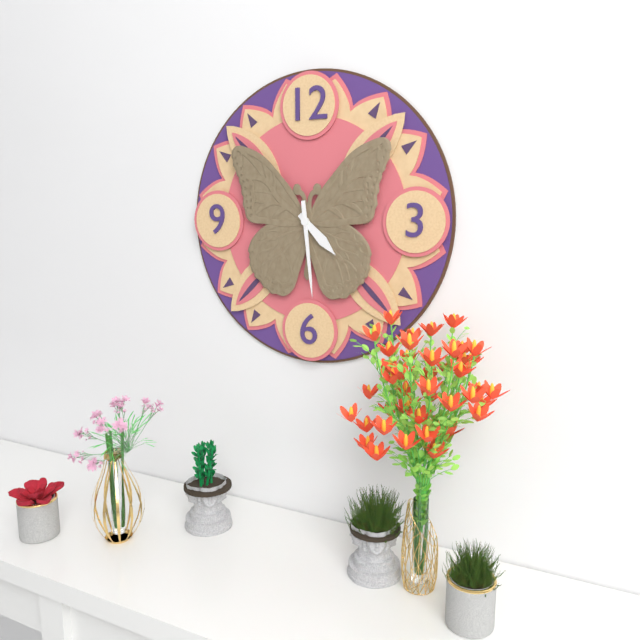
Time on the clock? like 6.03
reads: 4.29
